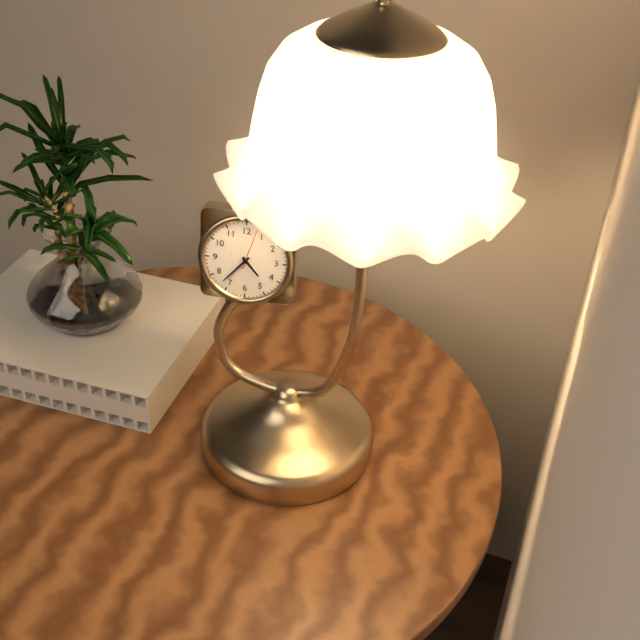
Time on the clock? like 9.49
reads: 4.37
